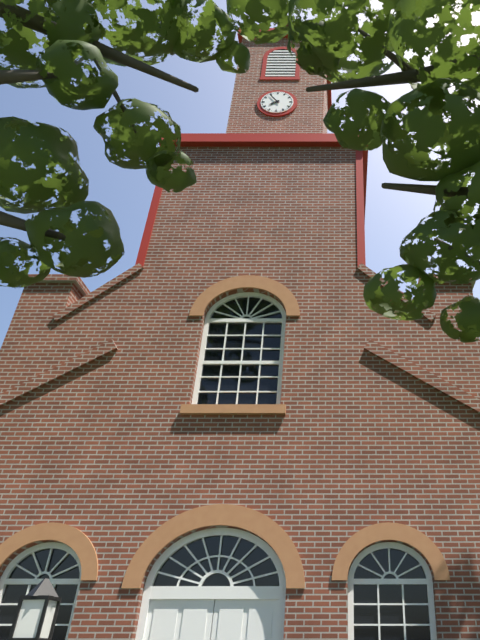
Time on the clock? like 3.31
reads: 7.54
